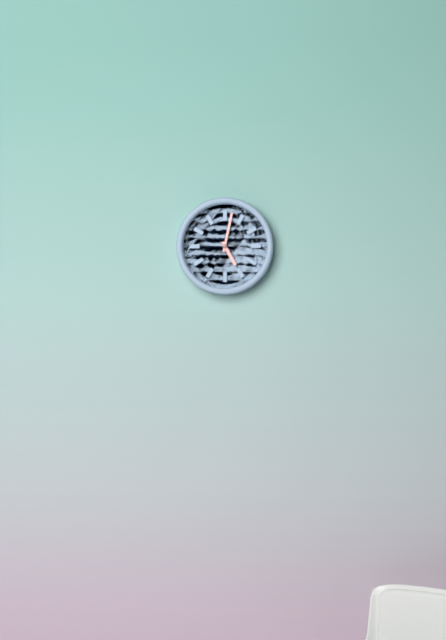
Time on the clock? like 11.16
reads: 5.02
